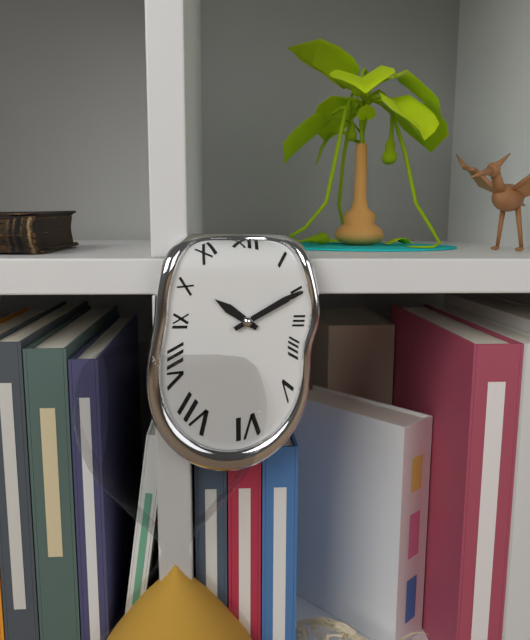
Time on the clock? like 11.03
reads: 10.10
